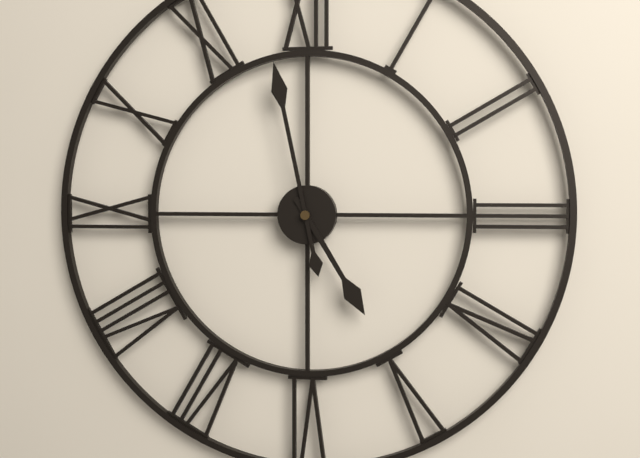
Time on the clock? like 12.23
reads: 4.58
